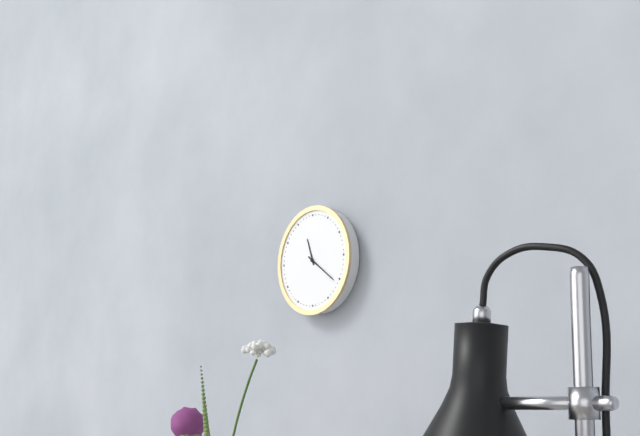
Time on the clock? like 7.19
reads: 11.21
